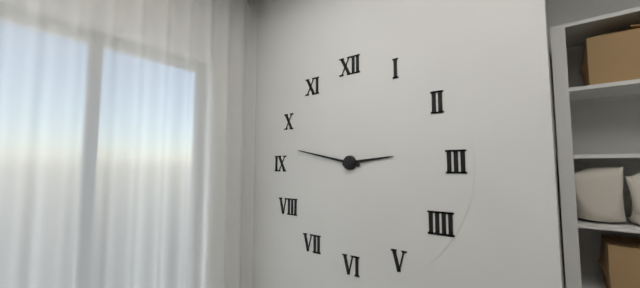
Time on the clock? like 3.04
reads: 2.47
